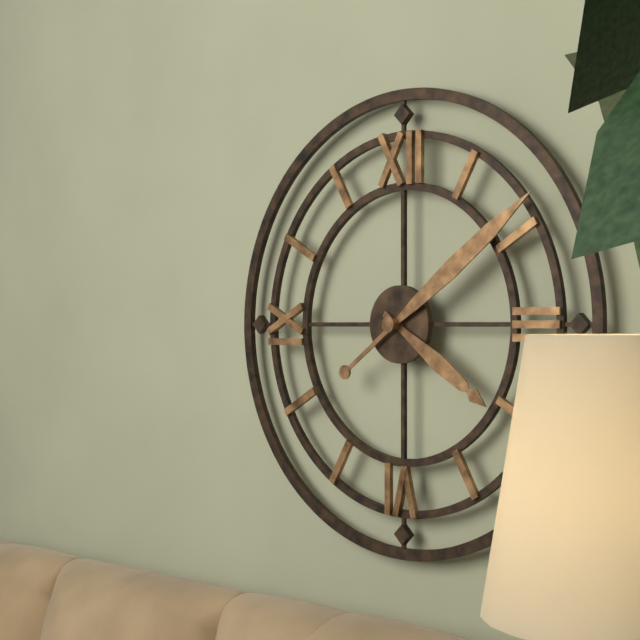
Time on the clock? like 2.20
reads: 4.09
